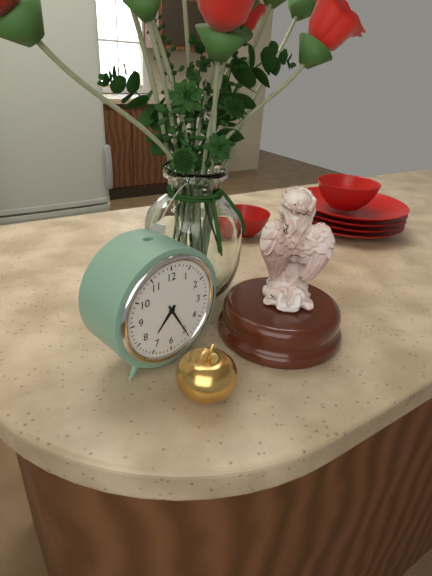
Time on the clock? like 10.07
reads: 7.25
